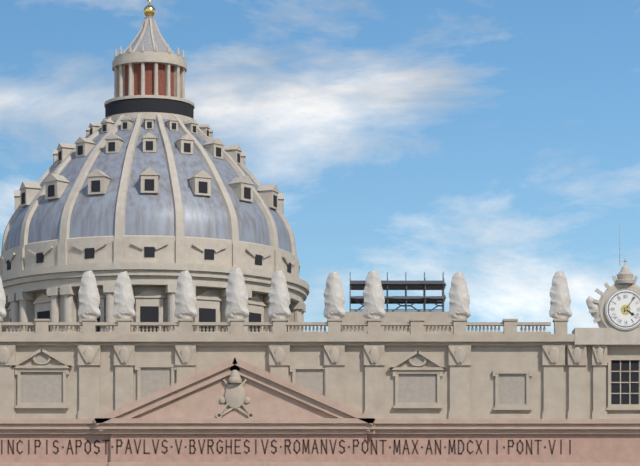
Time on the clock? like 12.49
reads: 4.06
